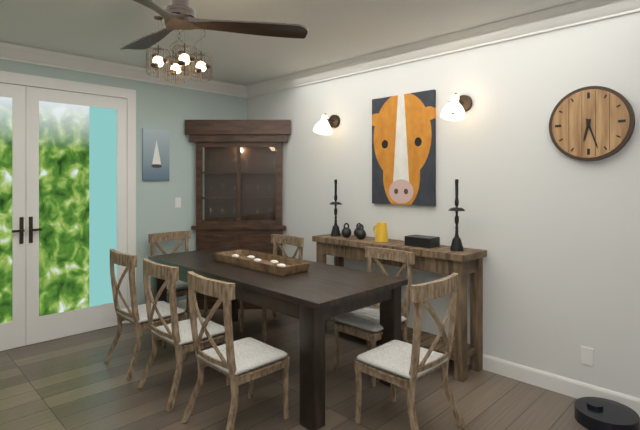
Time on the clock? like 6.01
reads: 6.27
